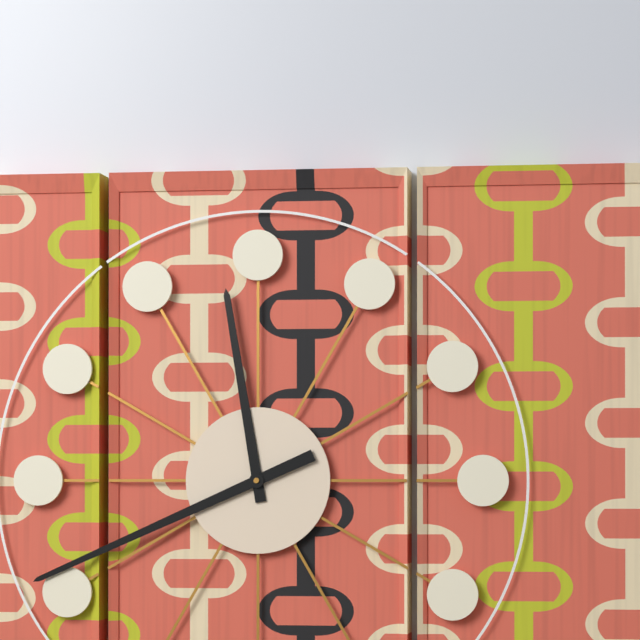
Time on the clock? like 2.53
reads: 11.41
